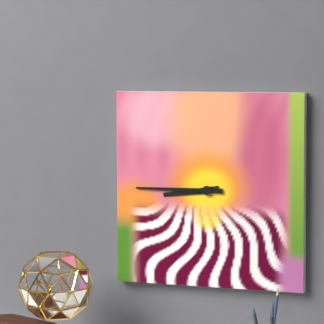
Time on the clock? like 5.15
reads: 8.45
